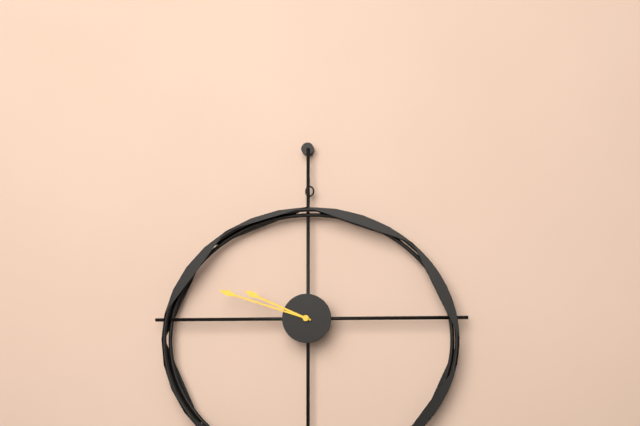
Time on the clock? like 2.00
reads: 9.48
